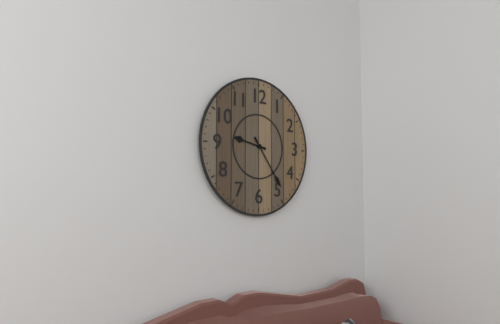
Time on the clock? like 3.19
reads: 9.24
